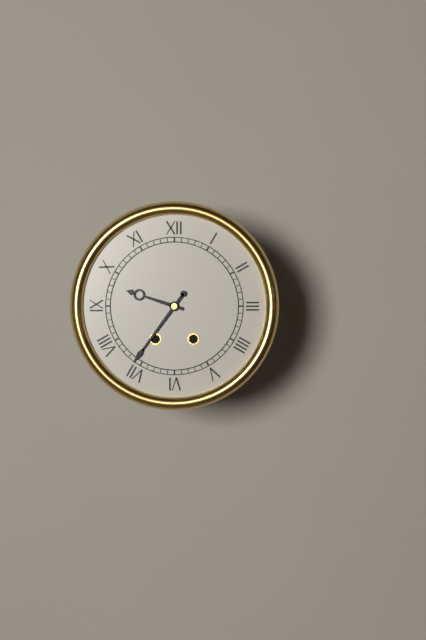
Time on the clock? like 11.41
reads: 9.36
